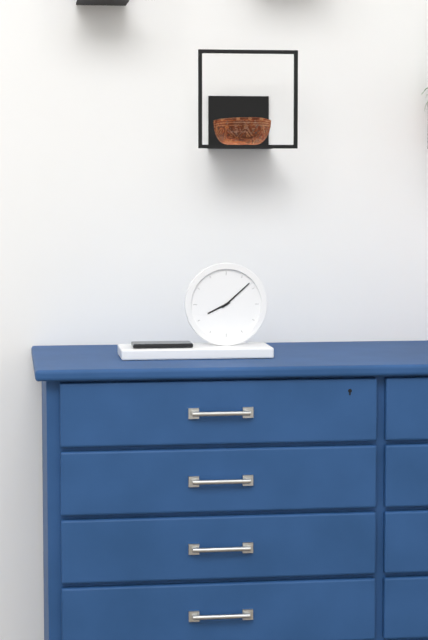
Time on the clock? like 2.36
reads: 8.08
